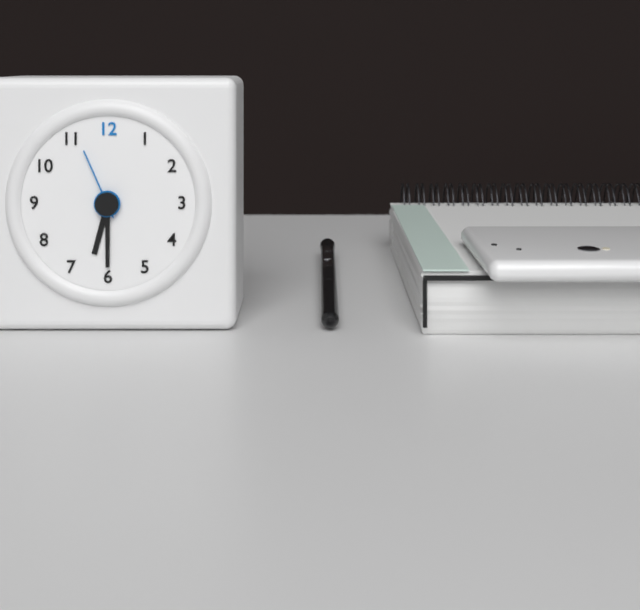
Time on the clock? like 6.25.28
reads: 6.30.56
